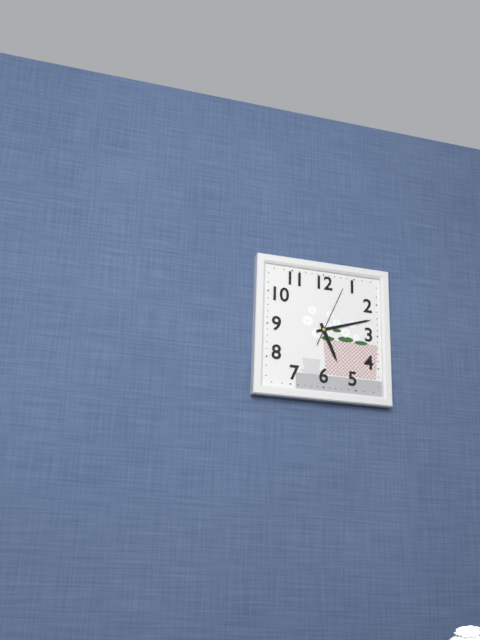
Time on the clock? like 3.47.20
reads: 5.12.04
